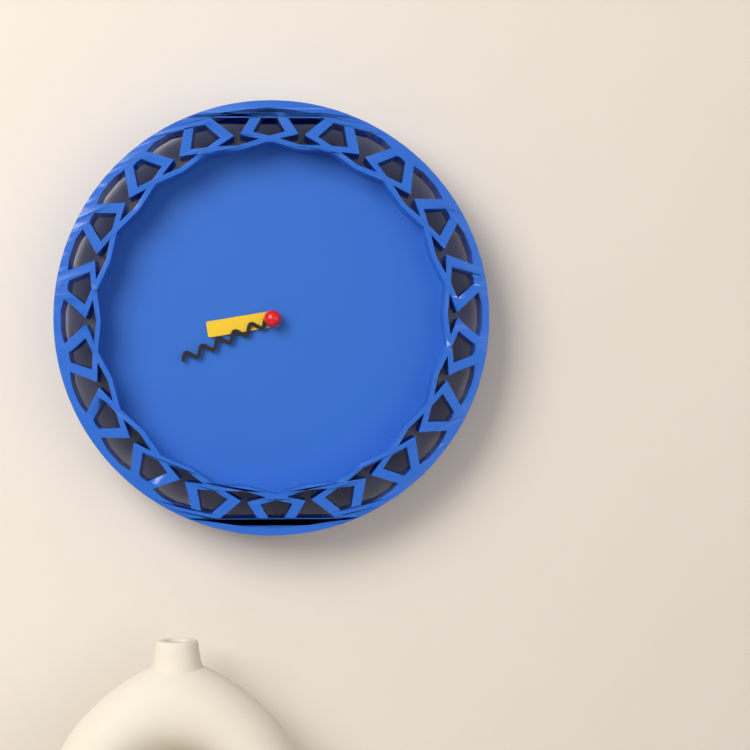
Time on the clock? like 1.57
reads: 8.41
